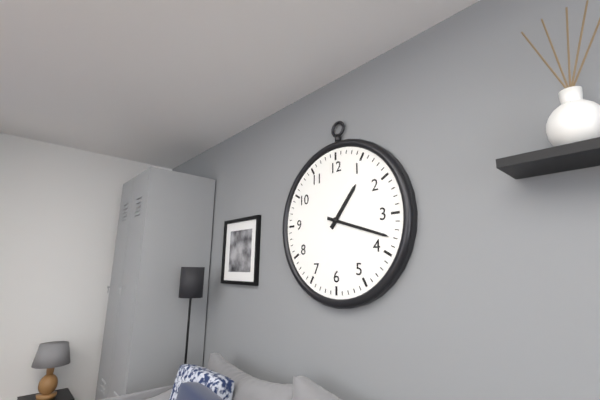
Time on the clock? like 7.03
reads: 1.18
